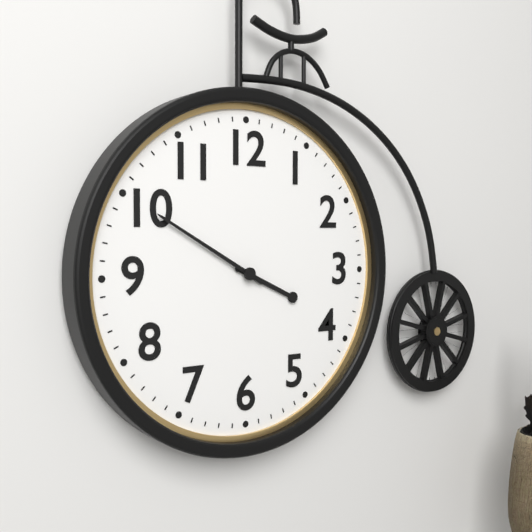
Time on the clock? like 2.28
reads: 3.50
